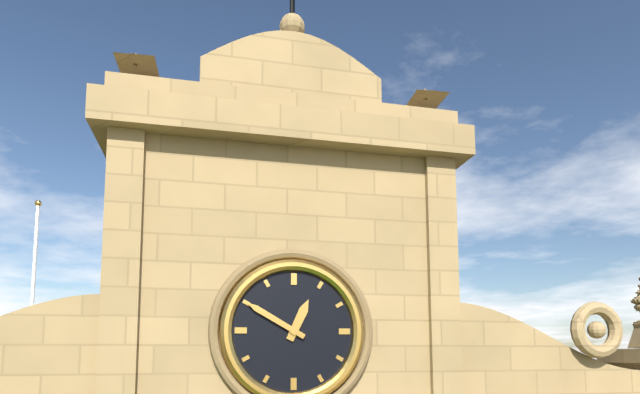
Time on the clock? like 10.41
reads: 12.50
